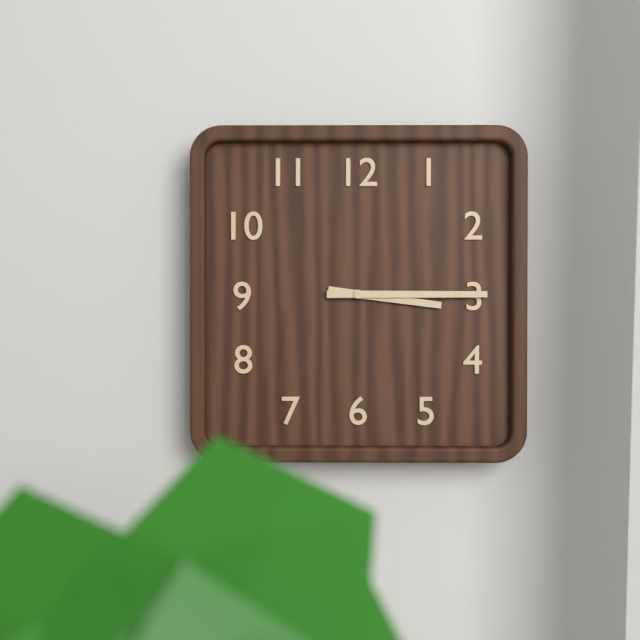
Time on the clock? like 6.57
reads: 3.15
